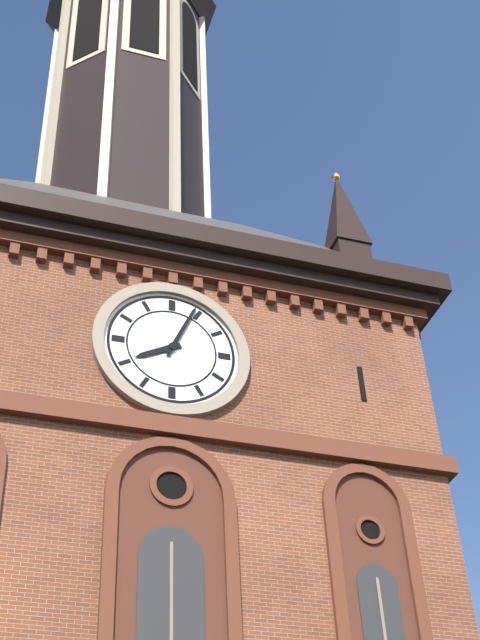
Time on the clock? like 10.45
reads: 8.04
